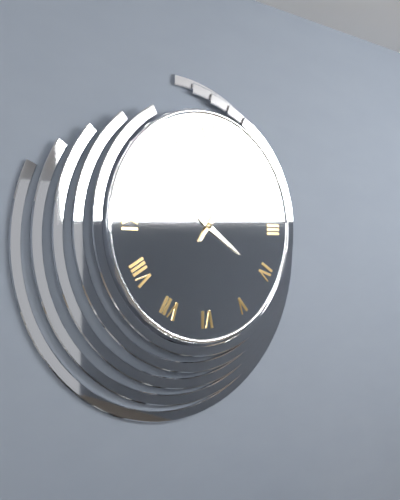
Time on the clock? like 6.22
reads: 4.06
